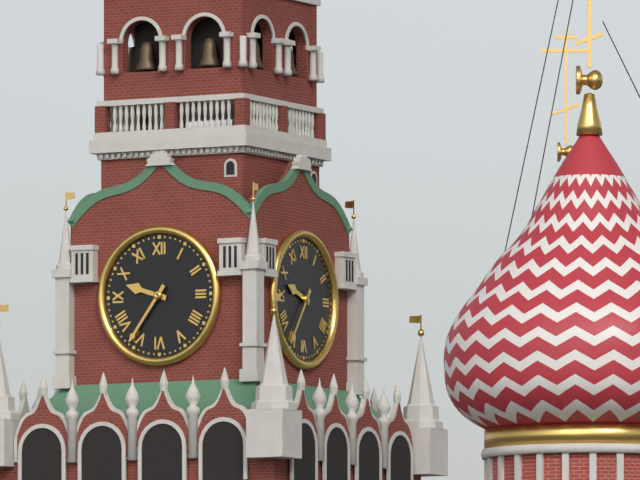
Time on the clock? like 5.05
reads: 9.36
